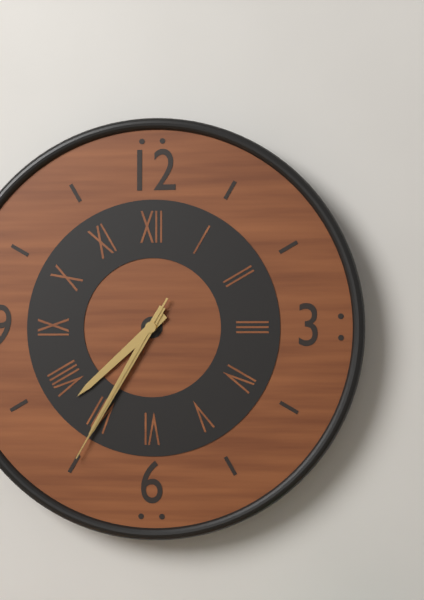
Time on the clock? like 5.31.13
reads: 7.35.35
